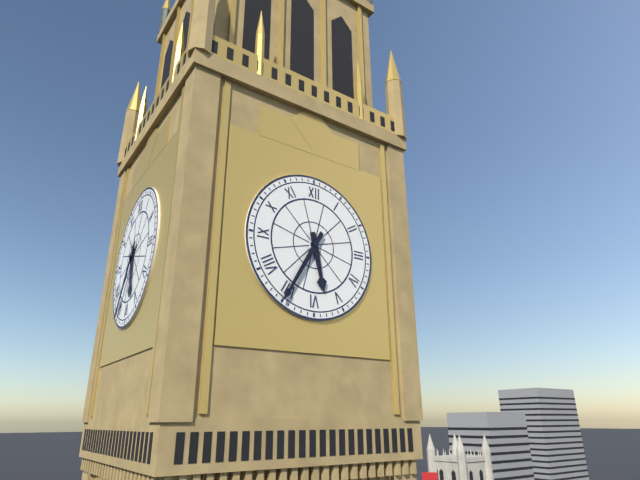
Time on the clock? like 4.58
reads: 5.35
